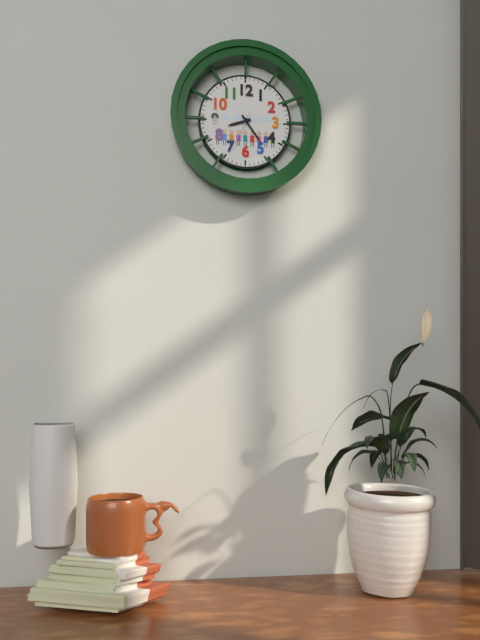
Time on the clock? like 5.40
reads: 8.24
